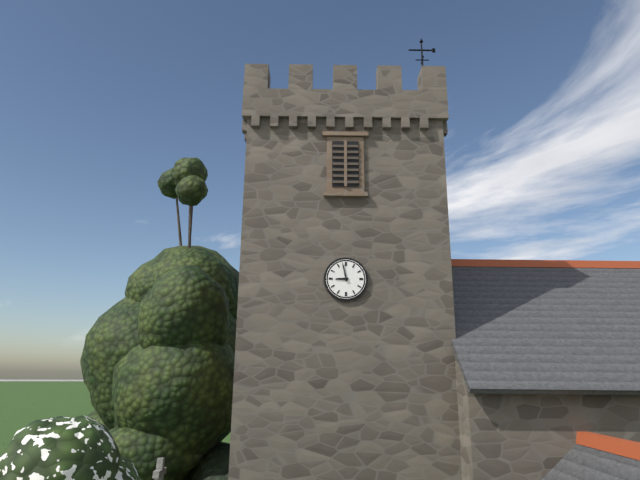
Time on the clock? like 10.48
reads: 8.58
